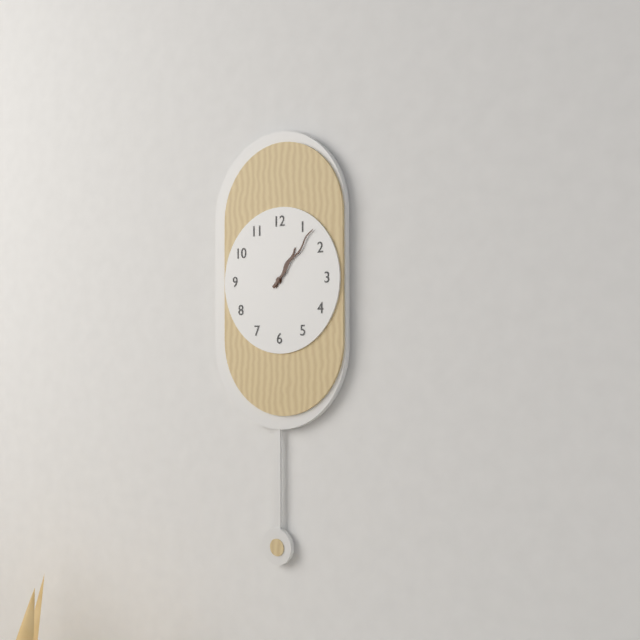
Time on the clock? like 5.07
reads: 1.07
